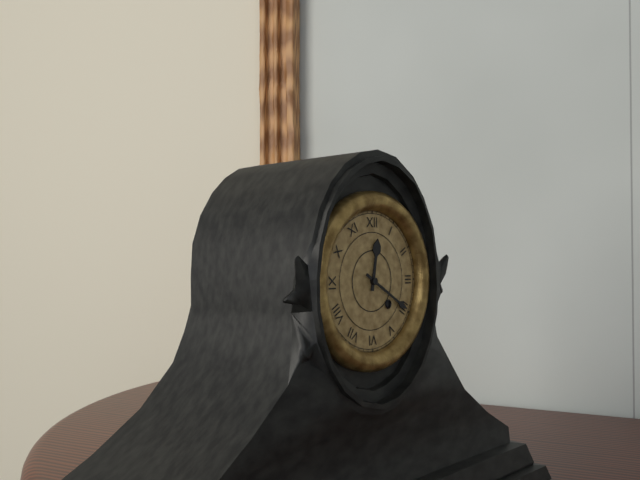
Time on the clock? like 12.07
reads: 12.20
